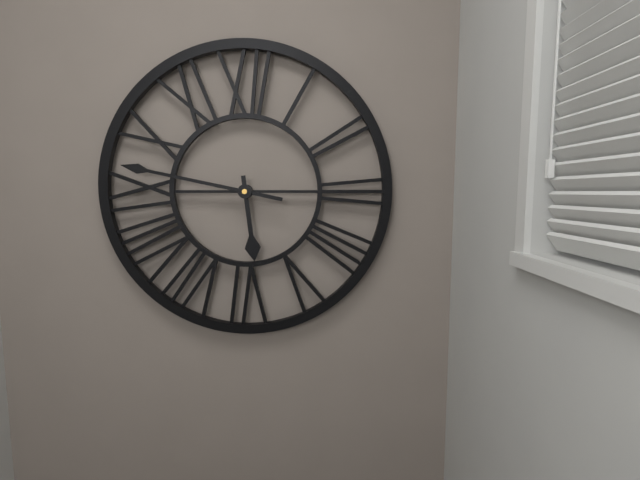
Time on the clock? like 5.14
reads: 5.47
